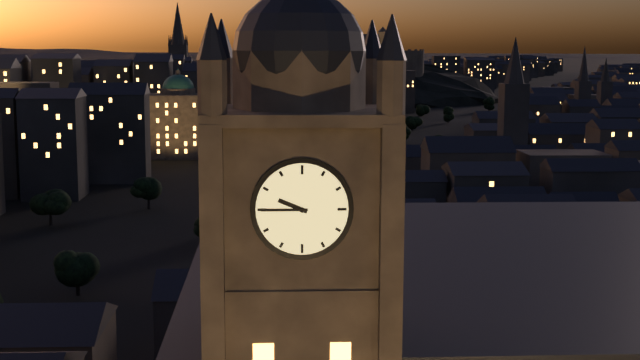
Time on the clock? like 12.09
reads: 9.45
